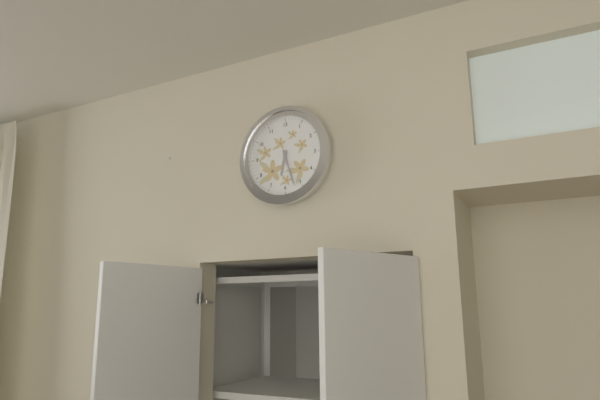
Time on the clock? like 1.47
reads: 6.27
